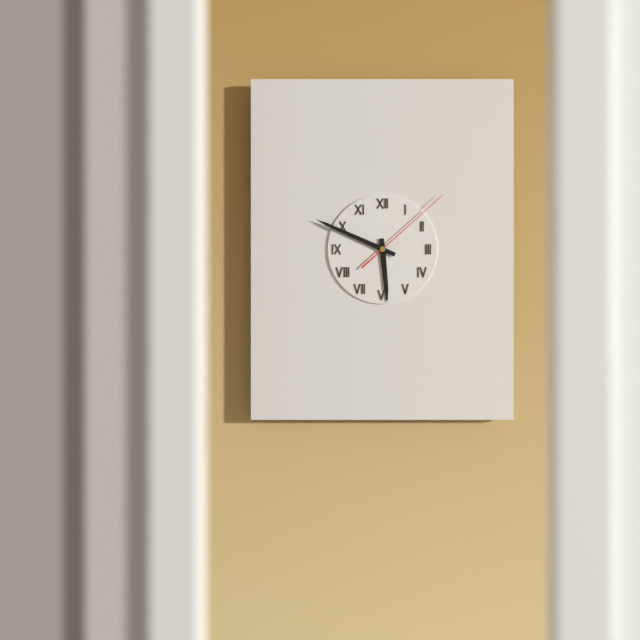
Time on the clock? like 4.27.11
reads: 5.49.08
